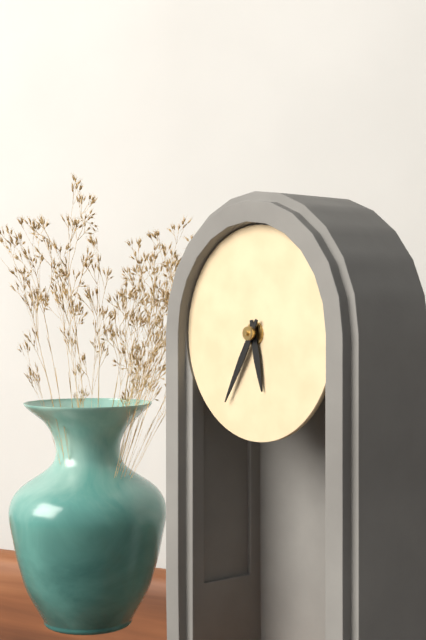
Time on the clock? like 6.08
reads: 5.35
